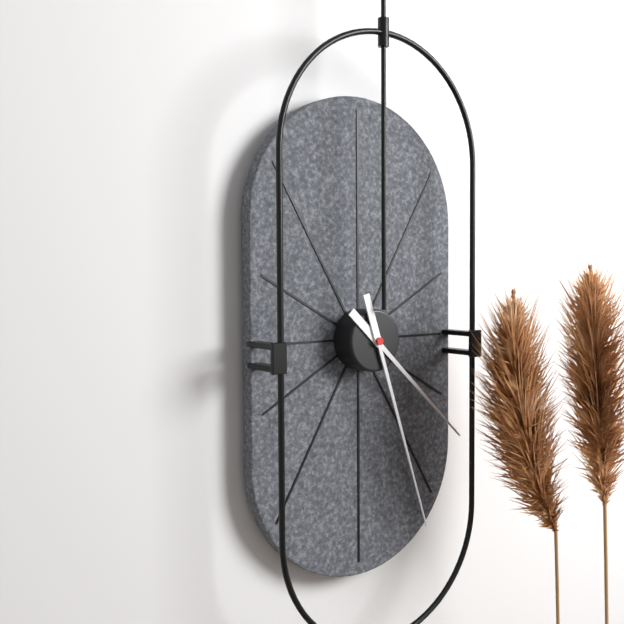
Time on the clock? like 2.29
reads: 4.27
